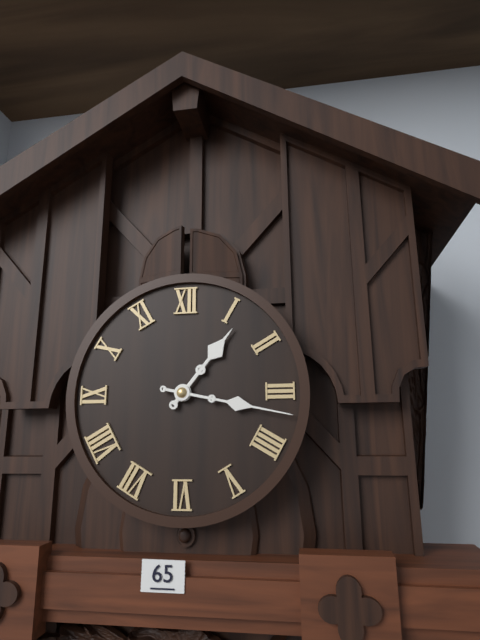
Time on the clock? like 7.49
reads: 1.17
